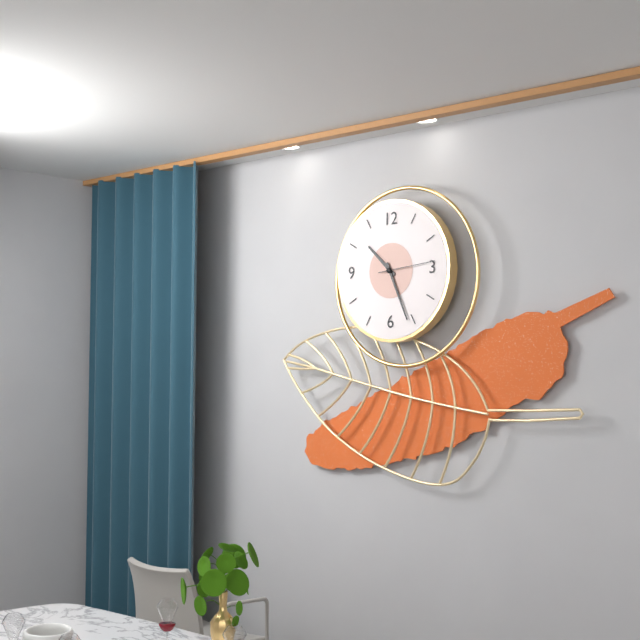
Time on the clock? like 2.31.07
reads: 10.26.14
